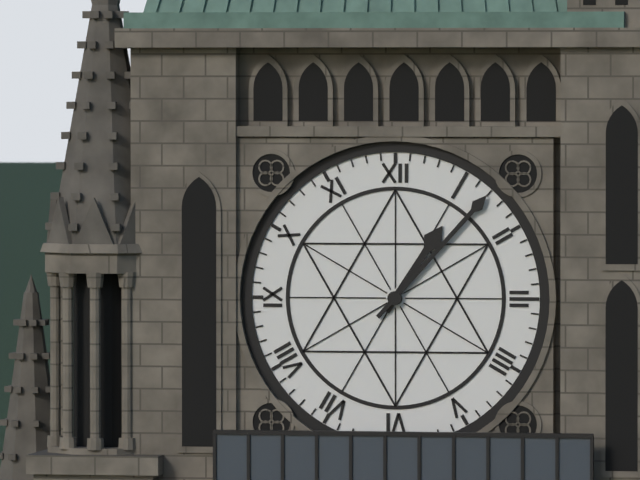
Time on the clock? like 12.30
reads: 1.07
